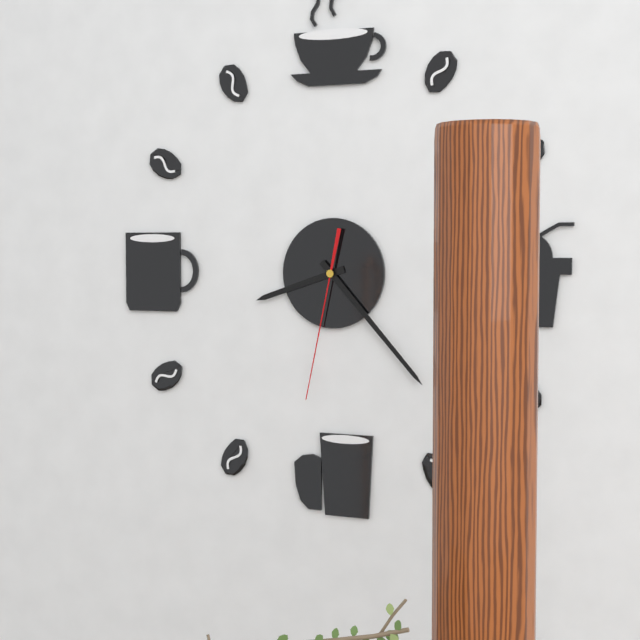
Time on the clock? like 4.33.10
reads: 8.23.32
